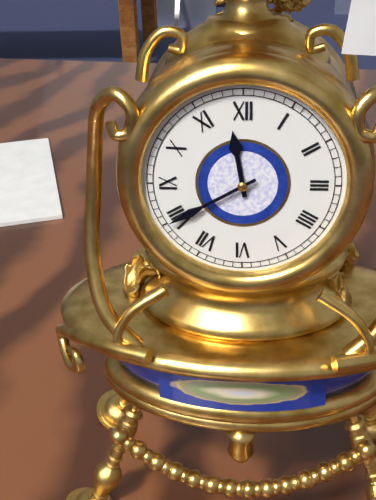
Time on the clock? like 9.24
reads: 11.40
